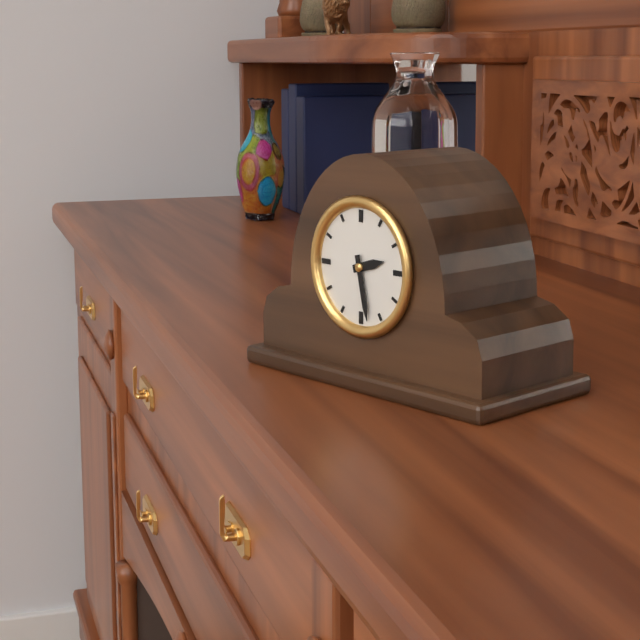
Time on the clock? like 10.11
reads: 2.28
